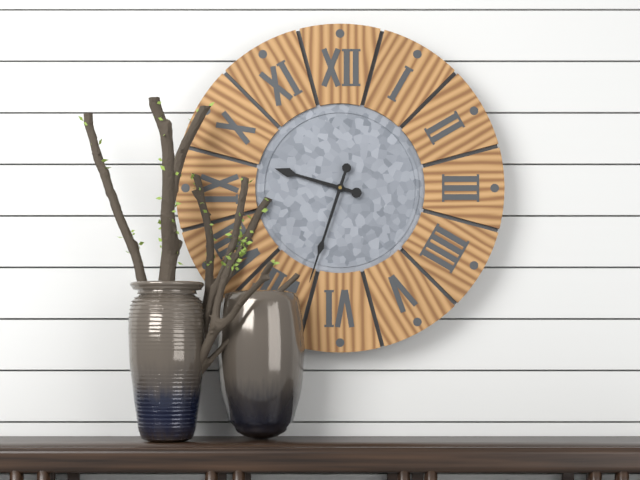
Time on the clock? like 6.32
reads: 9.33
